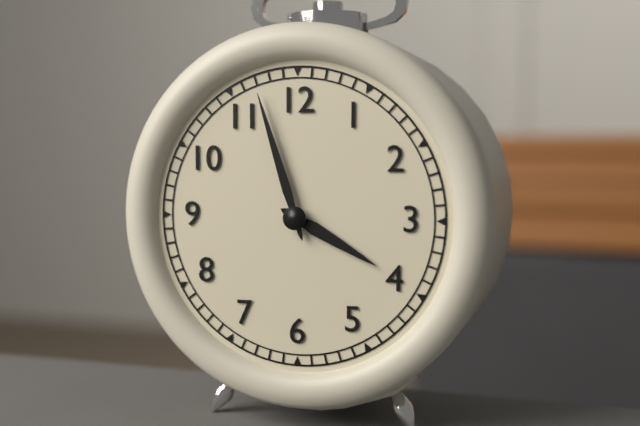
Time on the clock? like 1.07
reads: 3.57
